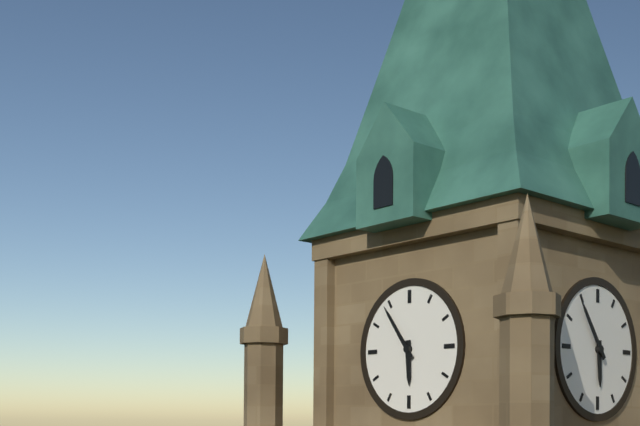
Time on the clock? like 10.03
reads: 5.54
